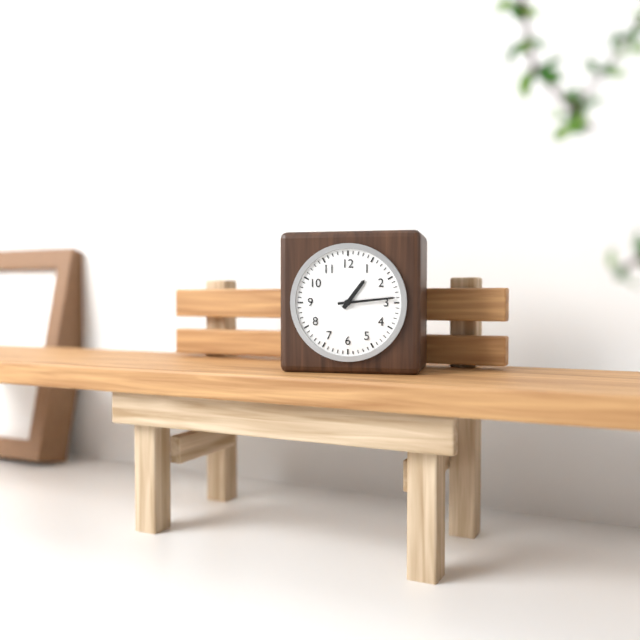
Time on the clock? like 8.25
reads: 1.14
